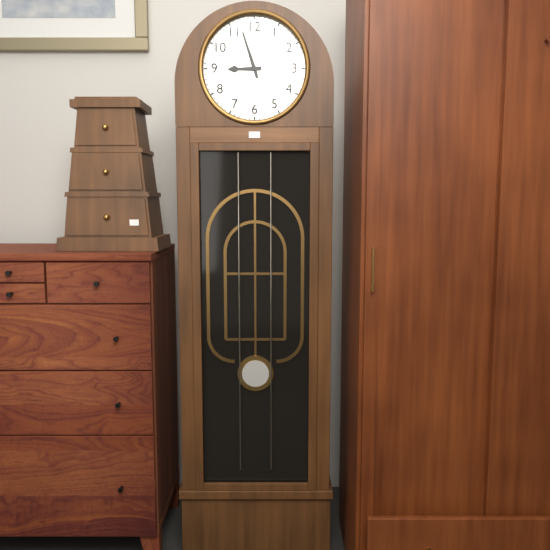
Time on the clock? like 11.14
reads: 8.57
